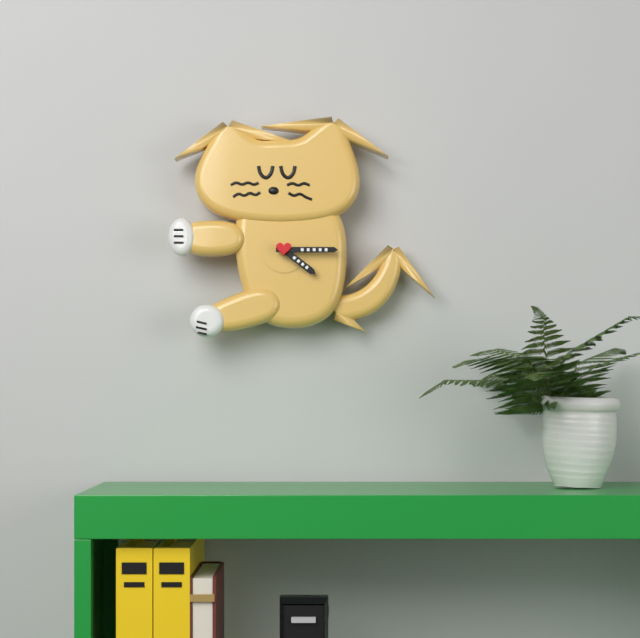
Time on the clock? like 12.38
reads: 4.15
